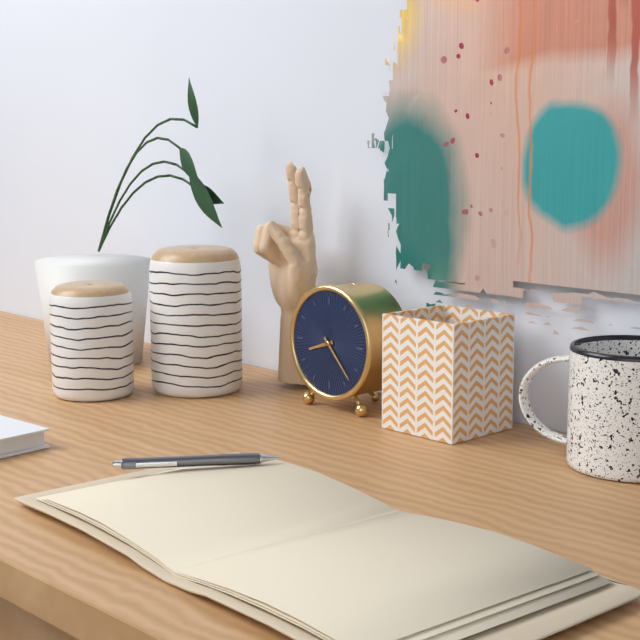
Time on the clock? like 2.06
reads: 8.23
